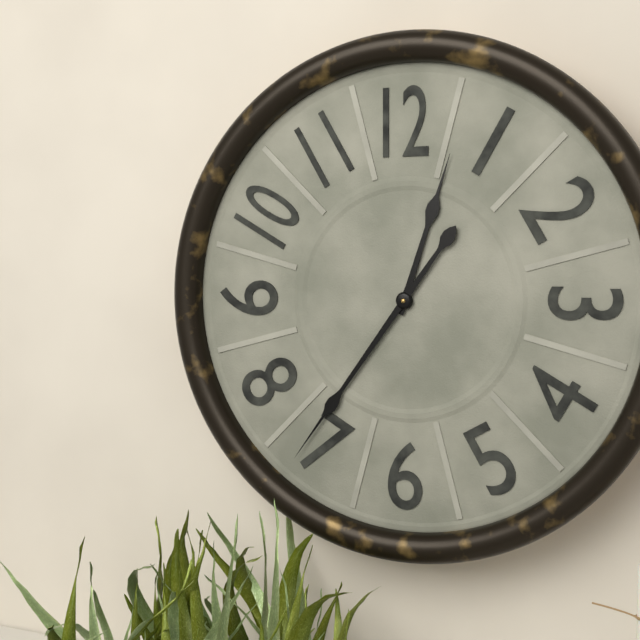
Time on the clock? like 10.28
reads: 12.36
